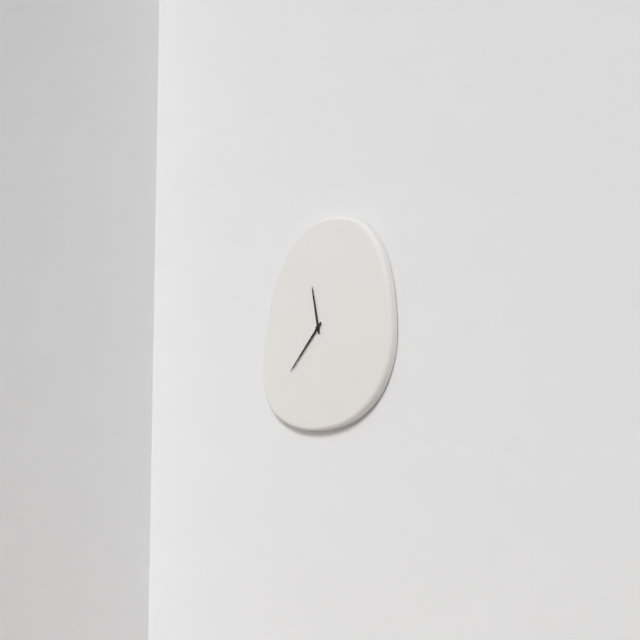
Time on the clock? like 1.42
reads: 11.37
